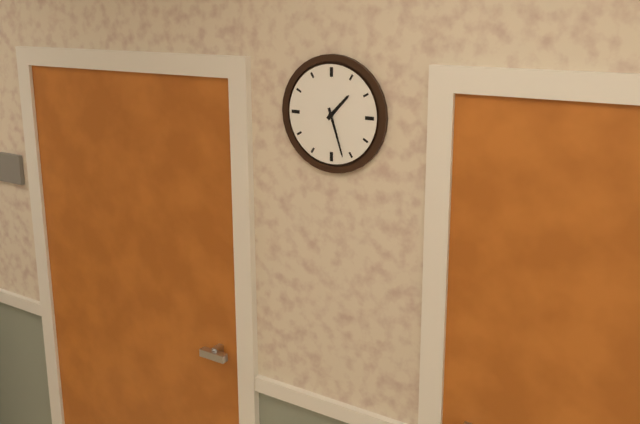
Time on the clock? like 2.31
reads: 1.27
